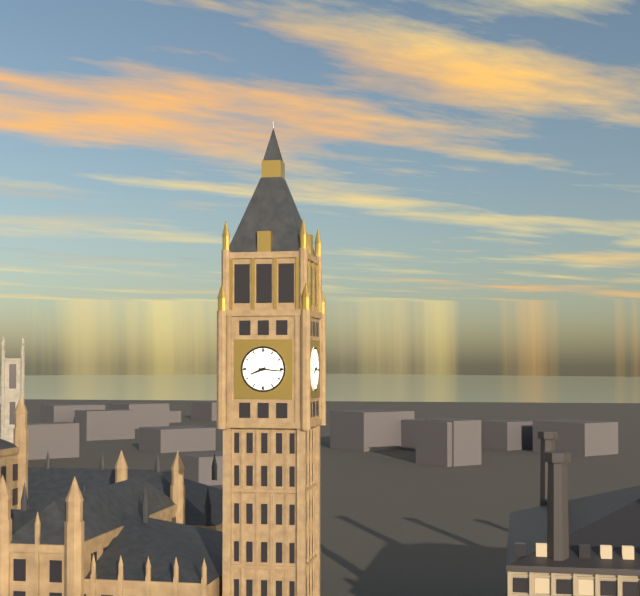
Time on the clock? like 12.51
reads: 8.16
